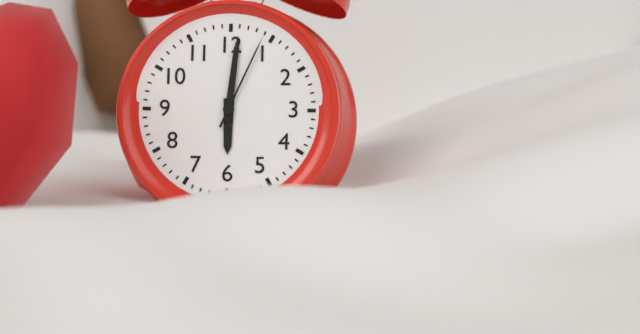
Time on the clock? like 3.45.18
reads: 6.01.04
